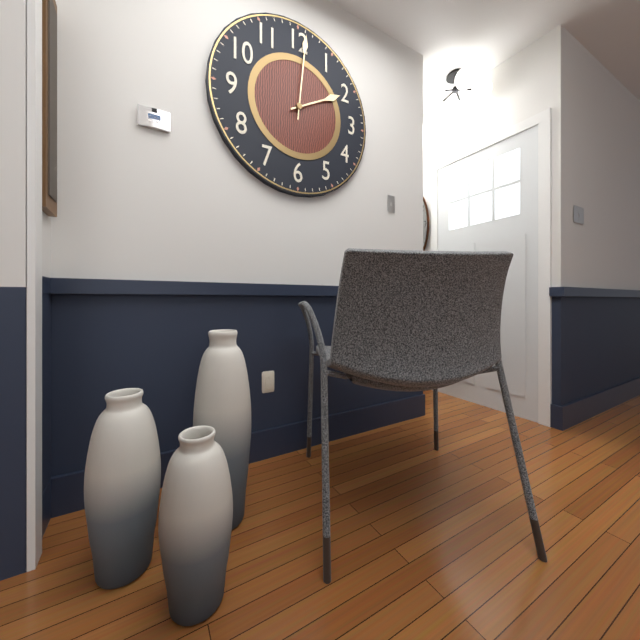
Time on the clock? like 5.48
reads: 2.01
